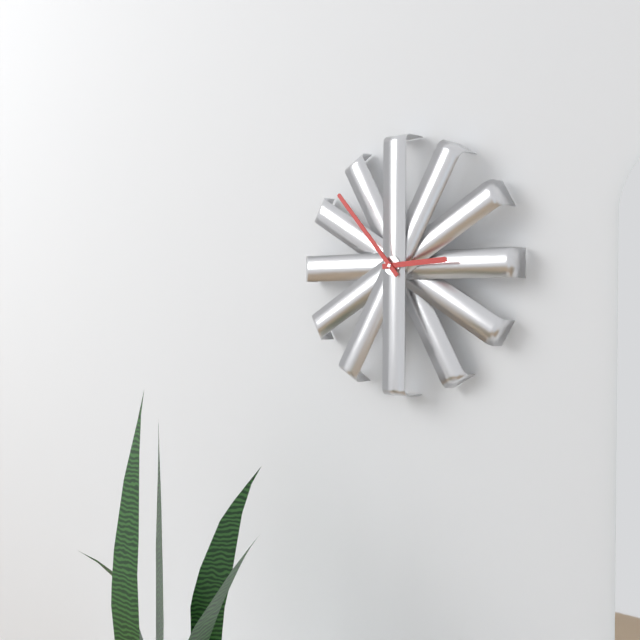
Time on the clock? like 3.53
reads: 2.53
